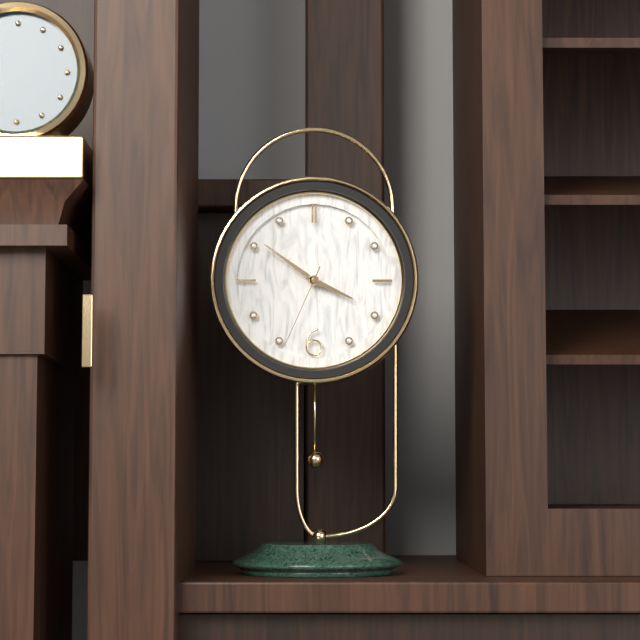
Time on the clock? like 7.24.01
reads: 3.51.34
